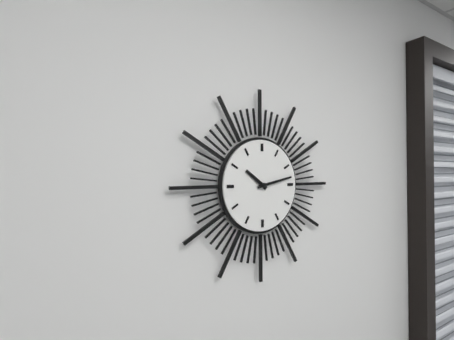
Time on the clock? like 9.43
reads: 10.13
